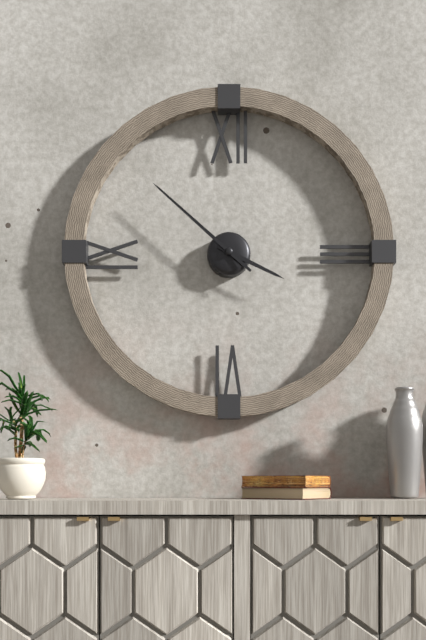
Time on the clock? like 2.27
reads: 3.52
